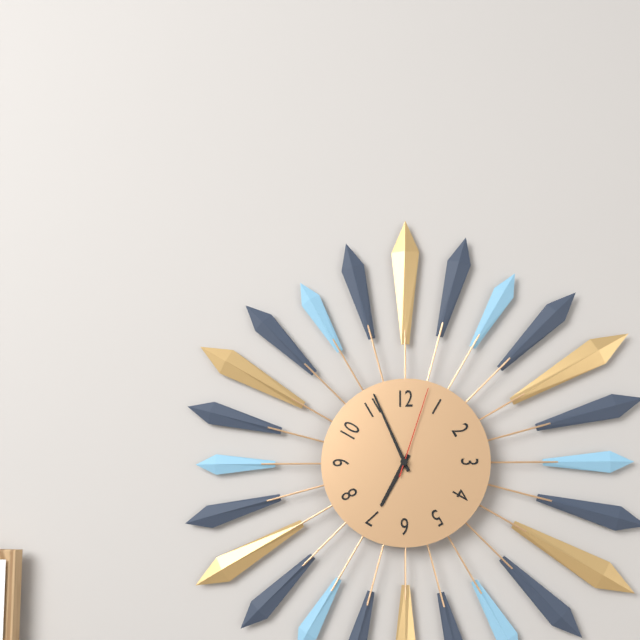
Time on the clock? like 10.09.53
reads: 6.56.03
